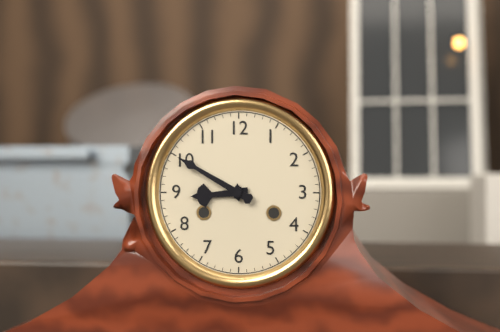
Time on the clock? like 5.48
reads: 8.50
